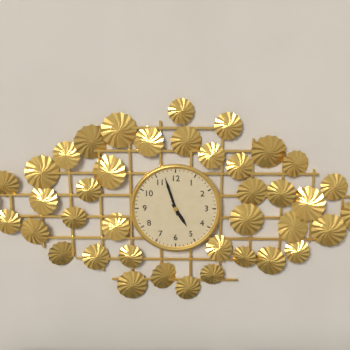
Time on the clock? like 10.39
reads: 4.57
